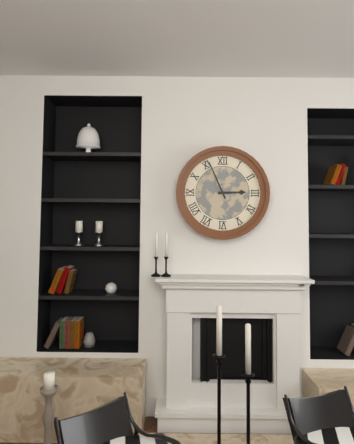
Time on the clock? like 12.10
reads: 2.56
